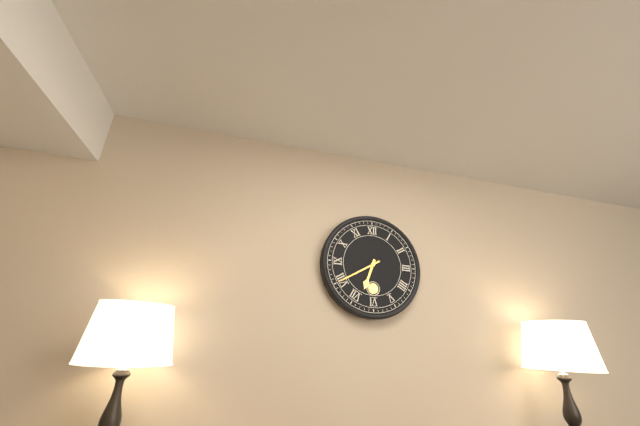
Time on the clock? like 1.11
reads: 6.40
